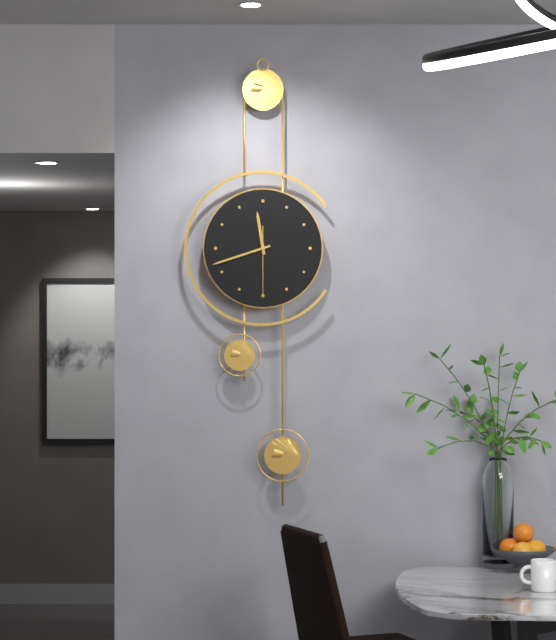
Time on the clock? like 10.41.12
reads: 11.42.30
